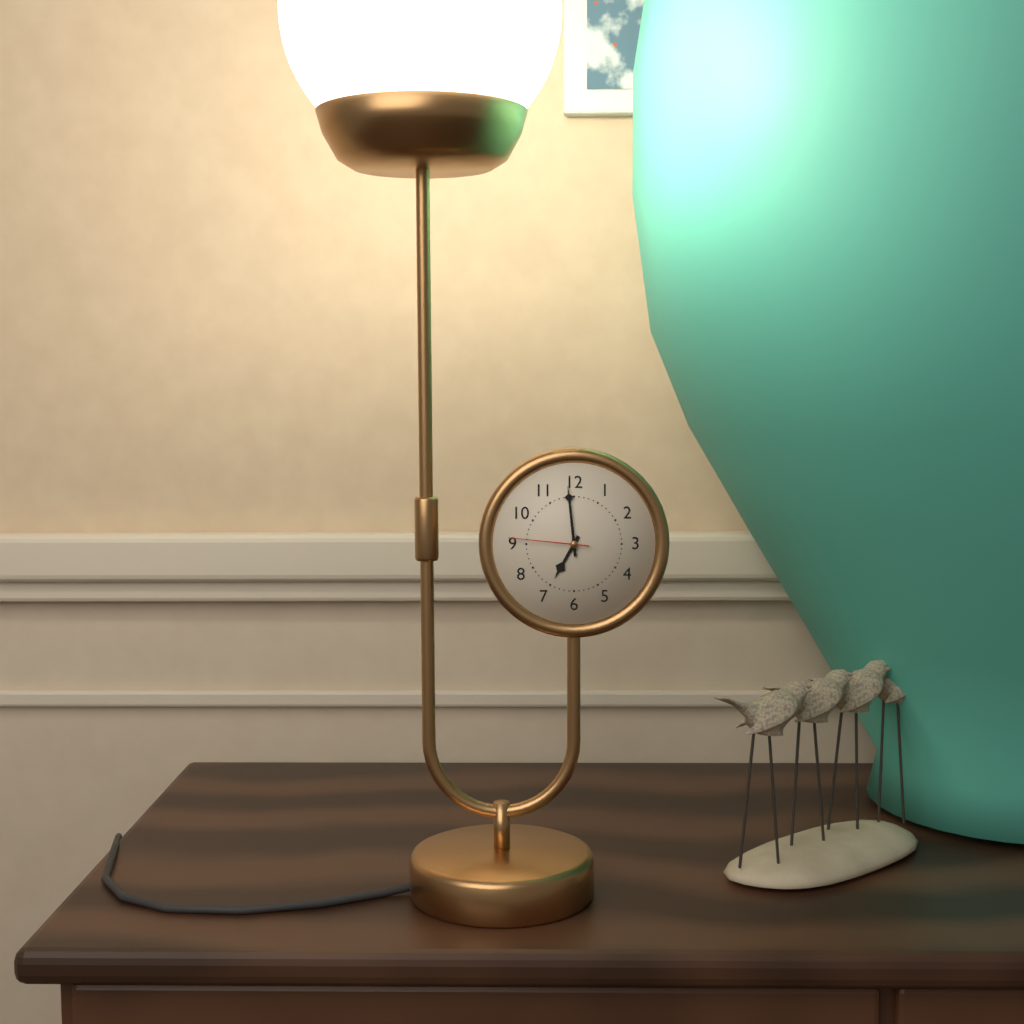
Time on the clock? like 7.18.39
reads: 6.59.46
